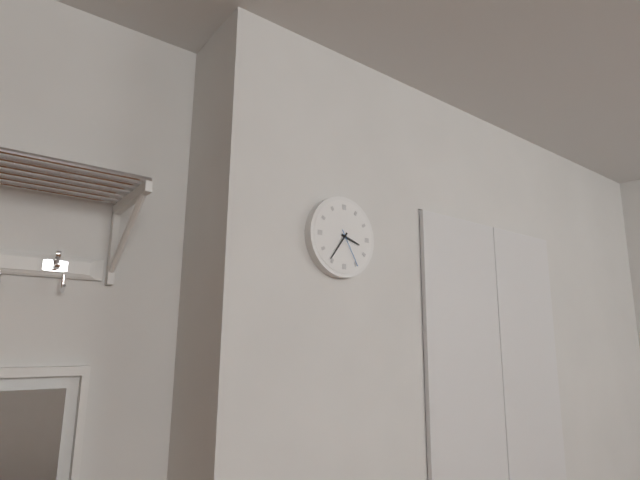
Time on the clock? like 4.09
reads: 3.36
